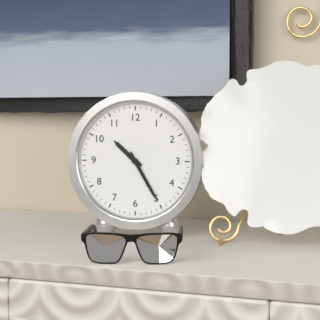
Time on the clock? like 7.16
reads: 10.25
